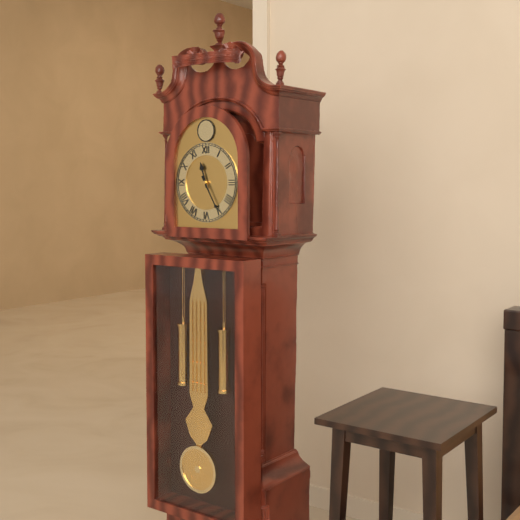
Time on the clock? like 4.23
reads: 11.25
